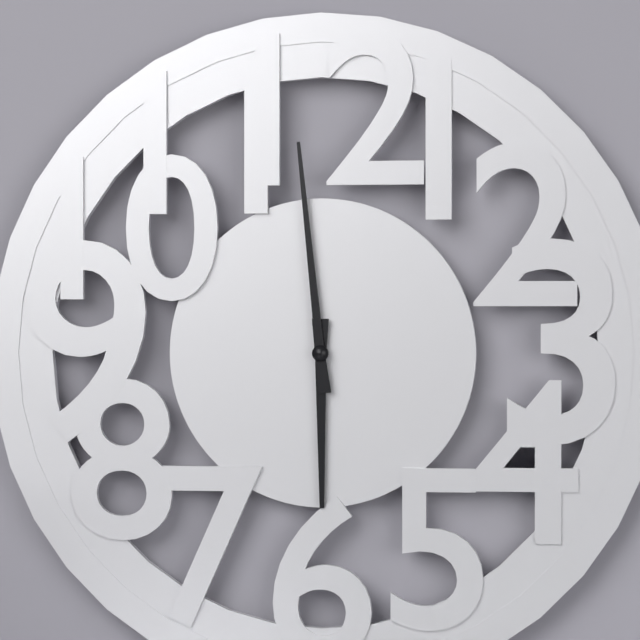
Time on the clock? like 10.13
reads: 5.59
